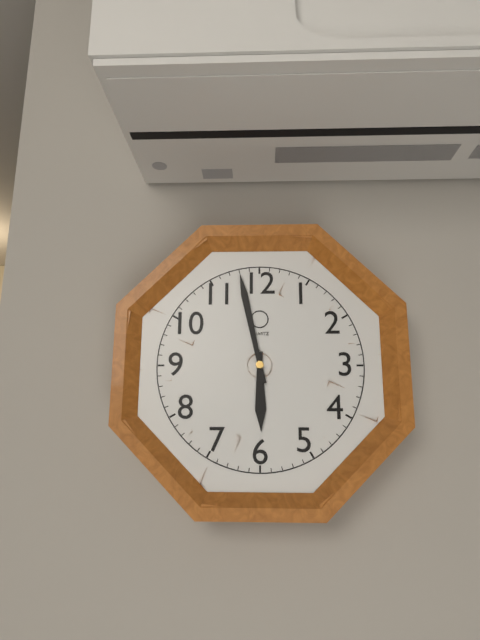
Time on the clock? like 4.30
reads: 5.58
